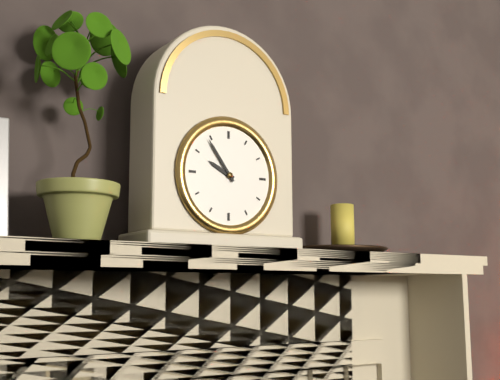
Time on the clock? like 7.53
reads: 9.54
